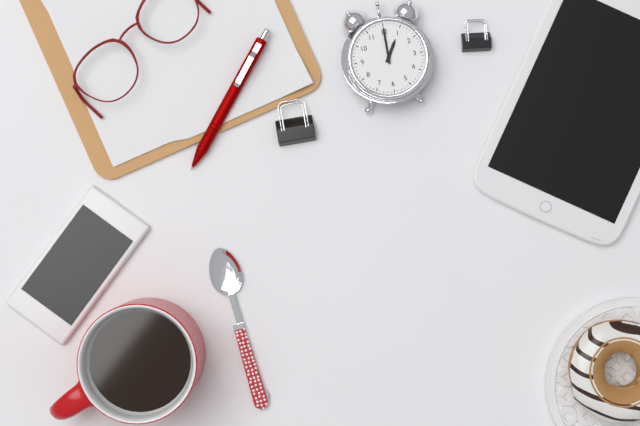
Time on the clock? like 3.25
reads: 1.00
